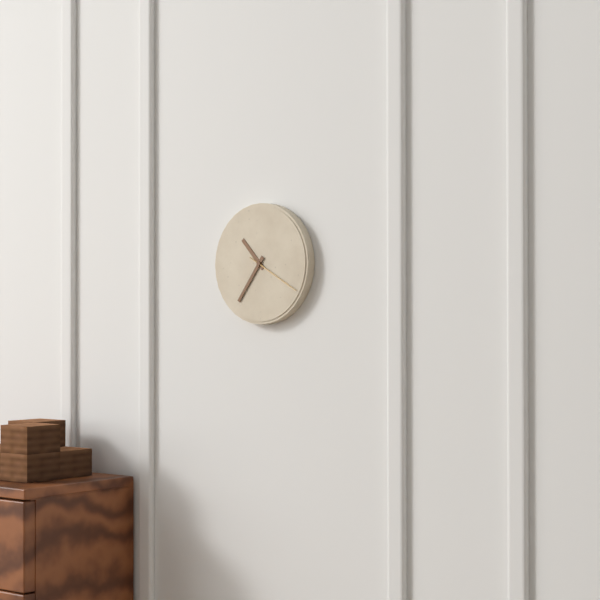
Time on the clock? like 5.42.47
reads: 10.36.20
